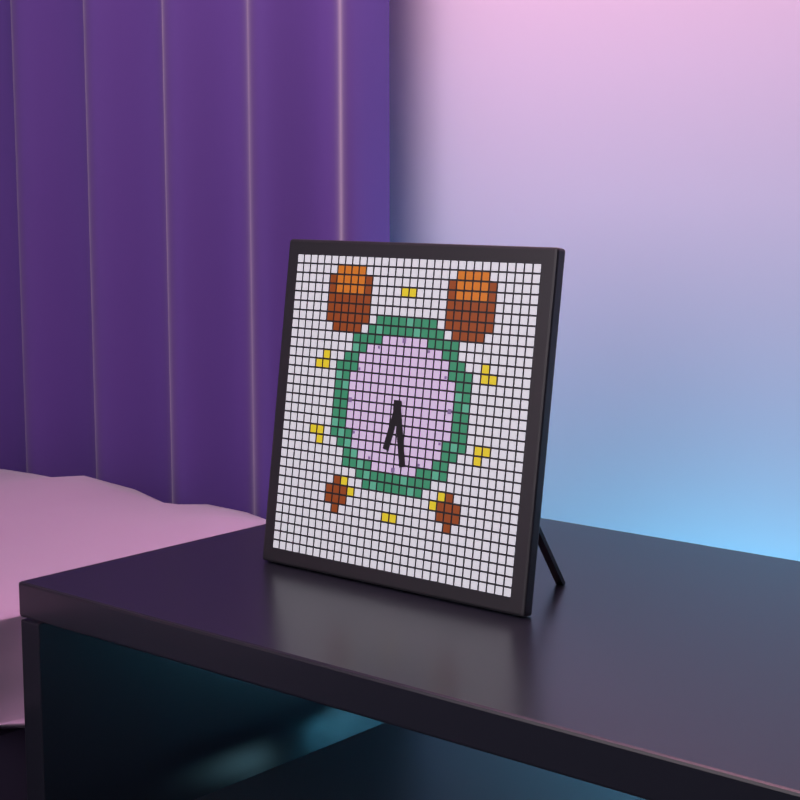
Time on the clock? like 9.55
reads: 6.28
